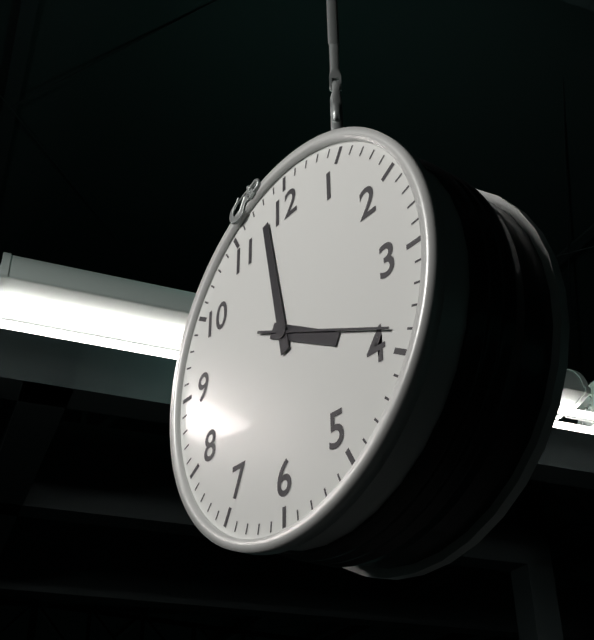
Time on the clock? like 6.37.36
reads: 3.58.19
